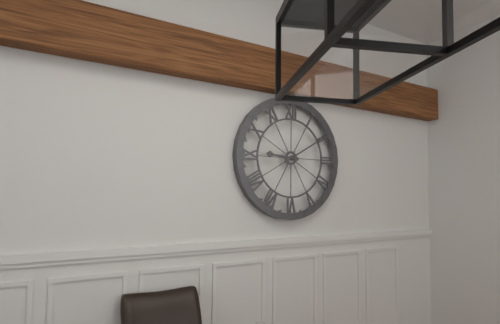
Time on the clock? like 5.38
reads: 9.10
